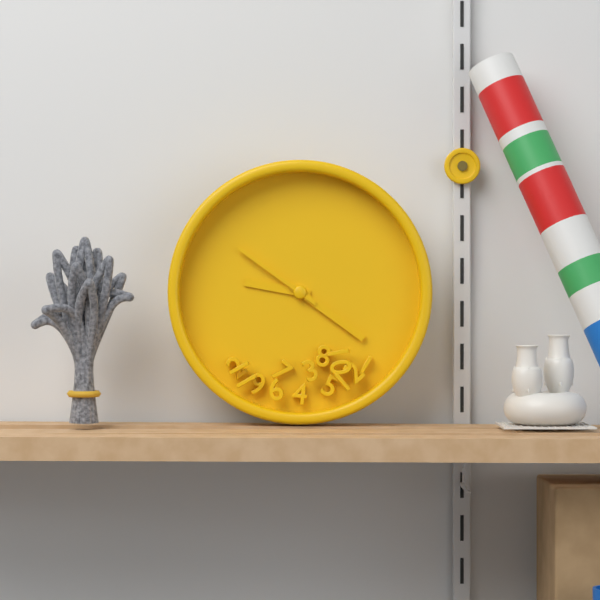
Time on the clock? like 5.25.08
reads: 9.21.51
